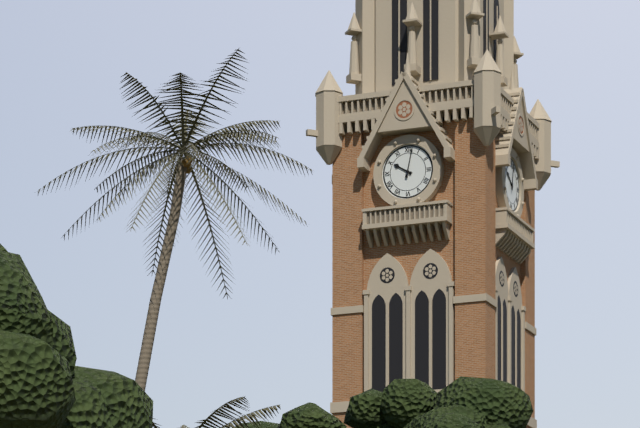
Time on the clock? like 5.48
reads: 10.02
